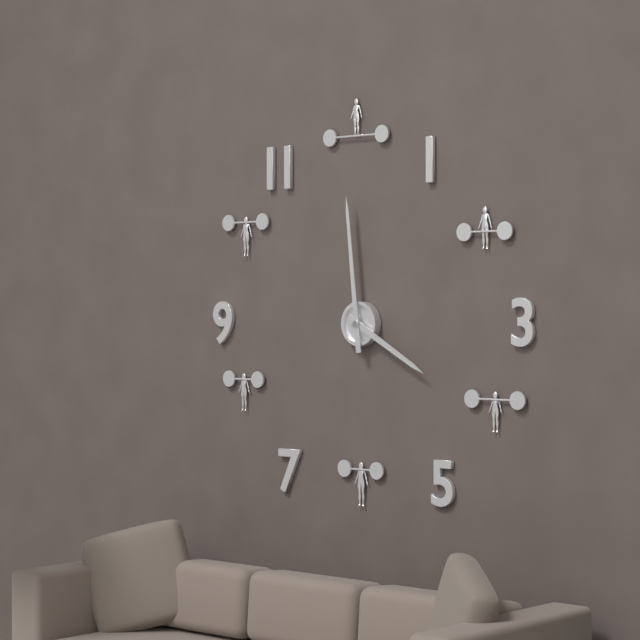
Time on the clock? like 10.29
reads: 3.59
